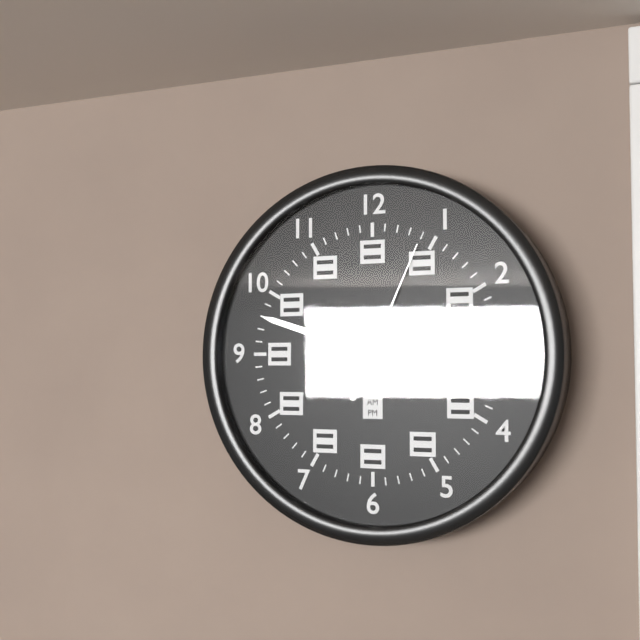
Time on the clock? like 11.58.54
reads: 2.48.04
